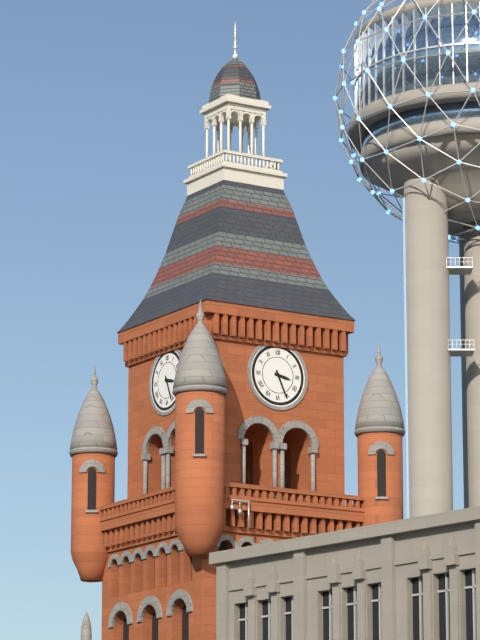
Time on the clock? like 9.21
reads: 3.26
